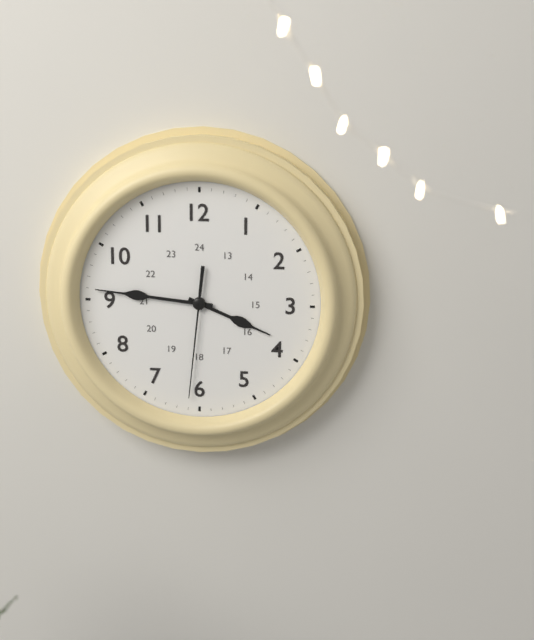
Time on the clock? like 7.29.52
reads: 3.46.31
